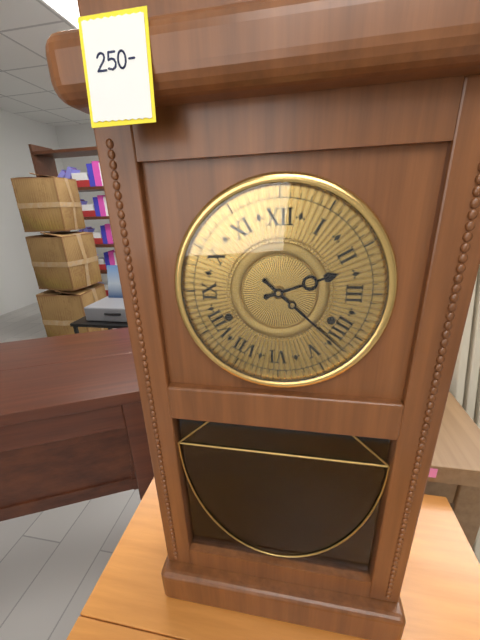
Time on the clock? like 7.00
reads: 2.22
